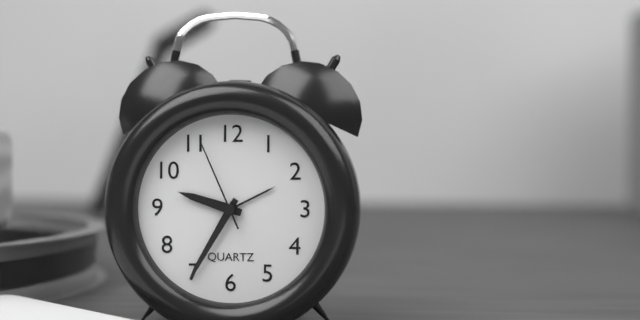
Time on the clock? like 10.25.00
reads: 9.35.56
